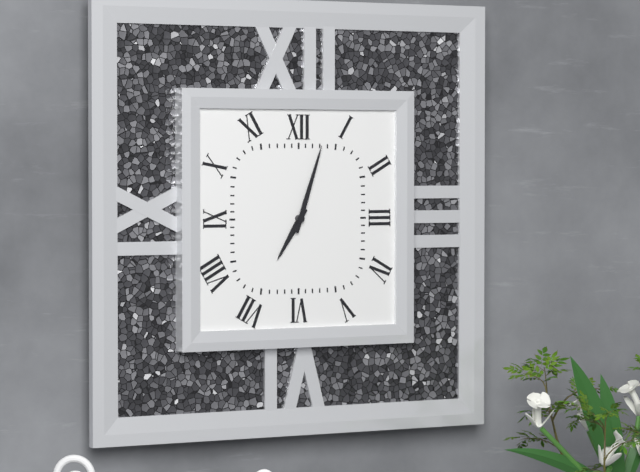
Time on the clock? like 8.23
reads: 7.03
